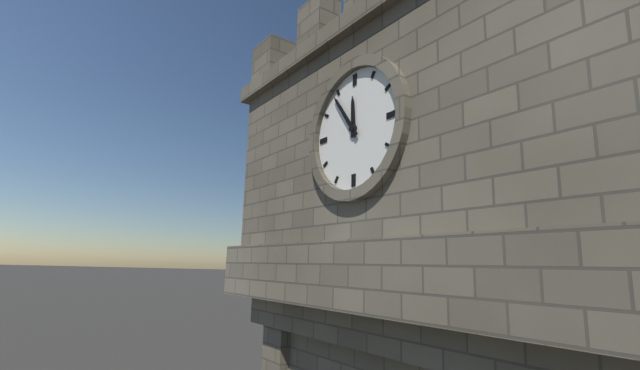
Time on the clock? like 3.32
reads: 11.54
